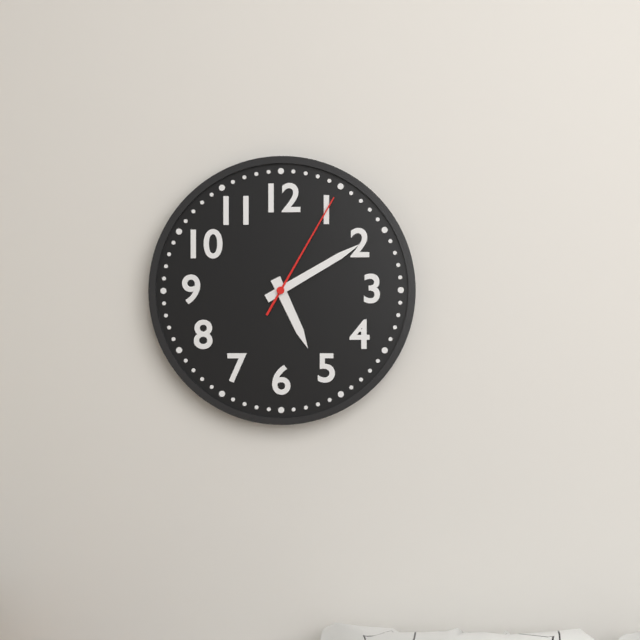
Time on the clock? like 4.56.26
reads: 5.10.05
